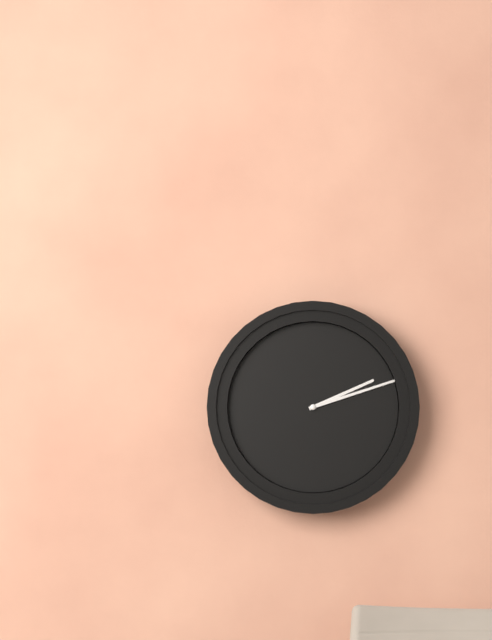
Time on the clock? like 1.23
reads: 2.12
